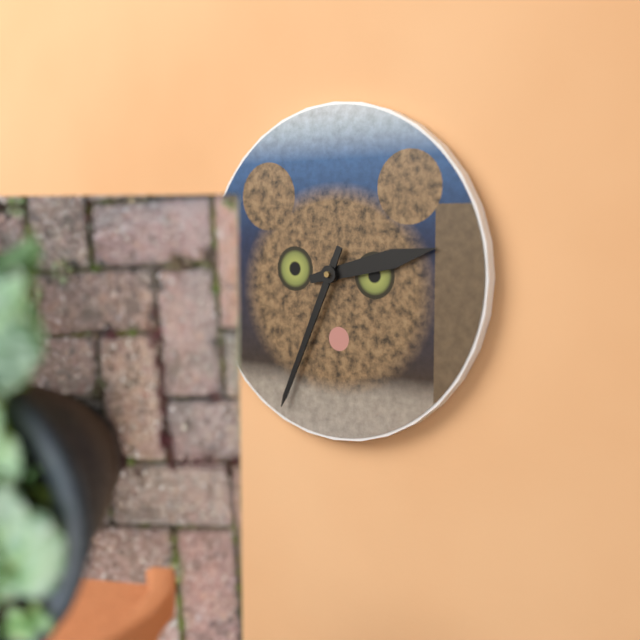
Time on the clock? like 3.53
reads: 2.34
